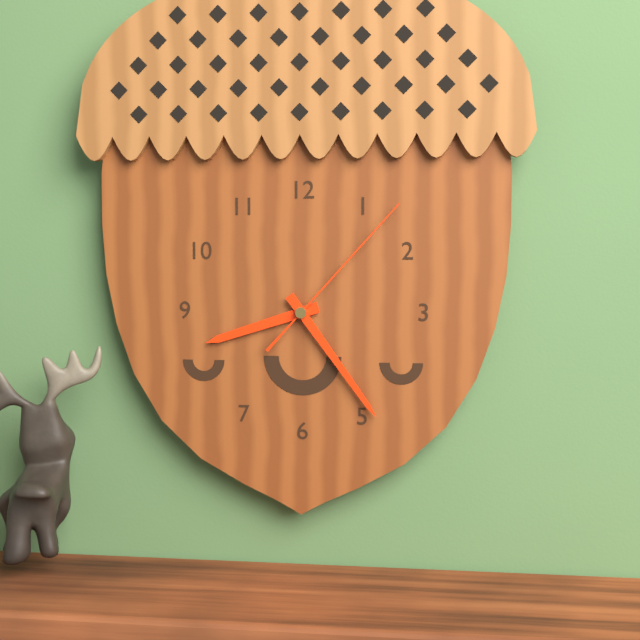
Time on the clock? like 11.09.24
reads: 8.24.07
